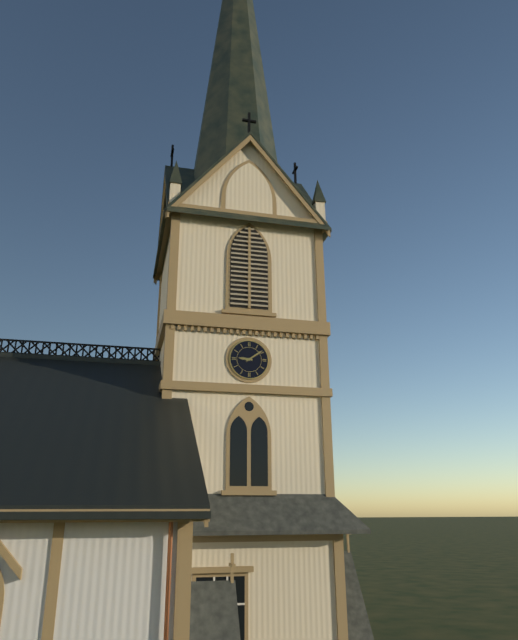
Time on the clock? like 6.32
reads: 9.09
